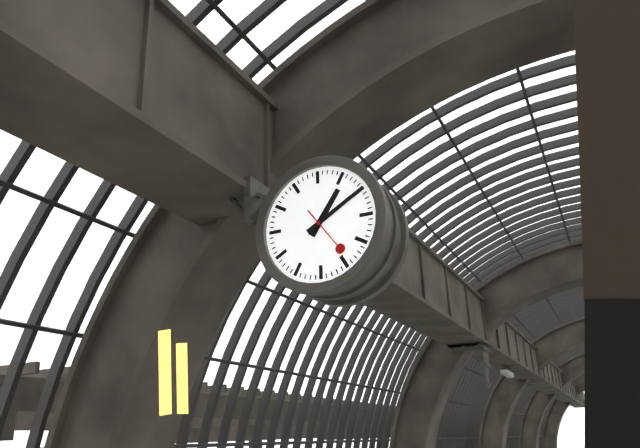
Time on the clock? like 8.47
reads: 1.10
